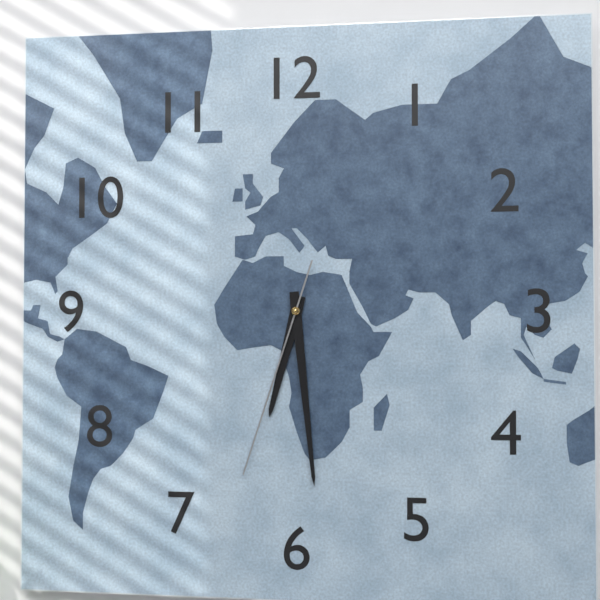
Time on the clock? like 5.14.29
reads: 6.29.33
